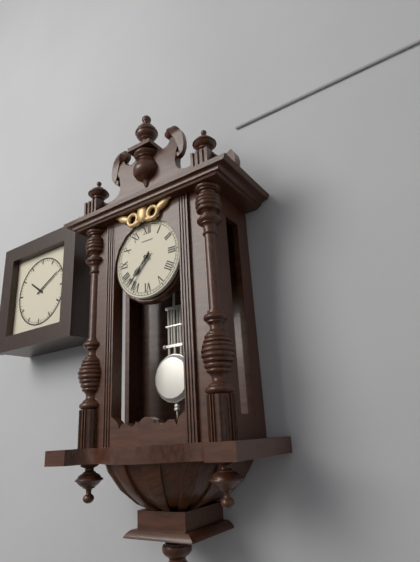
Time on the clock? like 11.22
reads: 7.37
